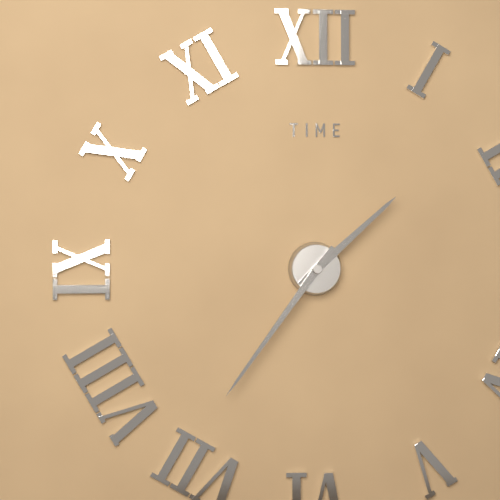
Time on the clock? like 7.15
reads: 1.36
